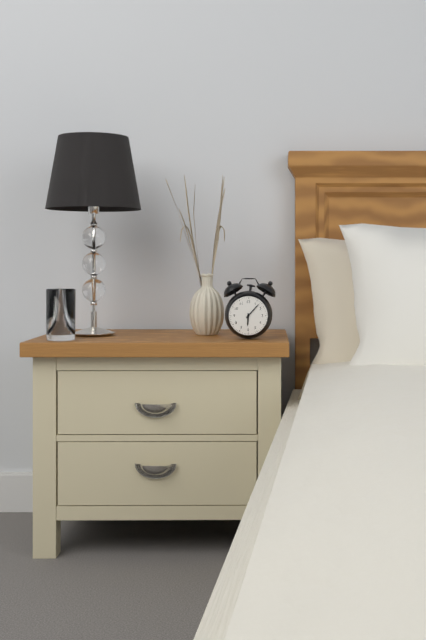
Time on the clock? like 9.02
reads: 6.07
